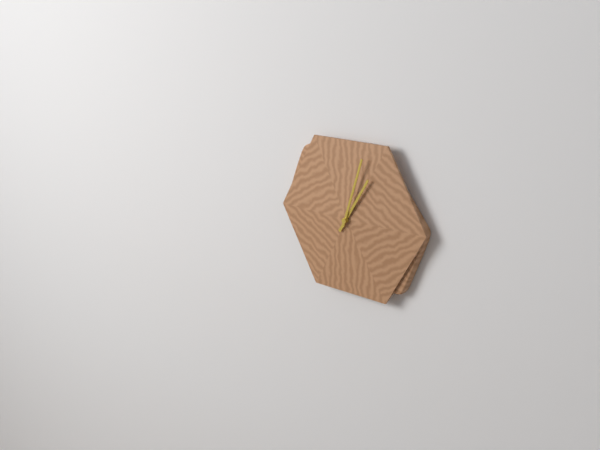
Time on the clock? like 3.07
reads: 1.03
